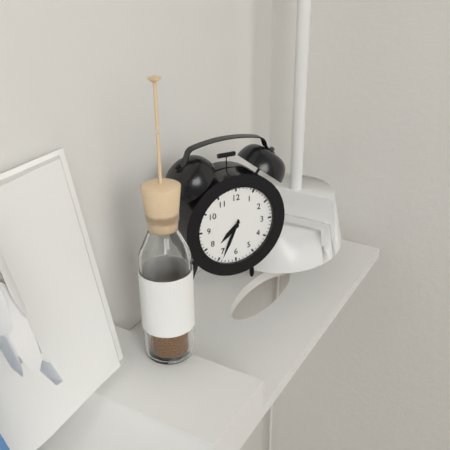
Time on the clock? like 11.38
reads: 7.34
